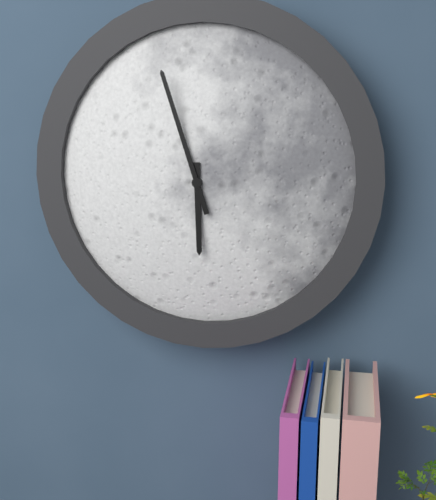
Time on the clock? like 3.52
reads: 5.57
